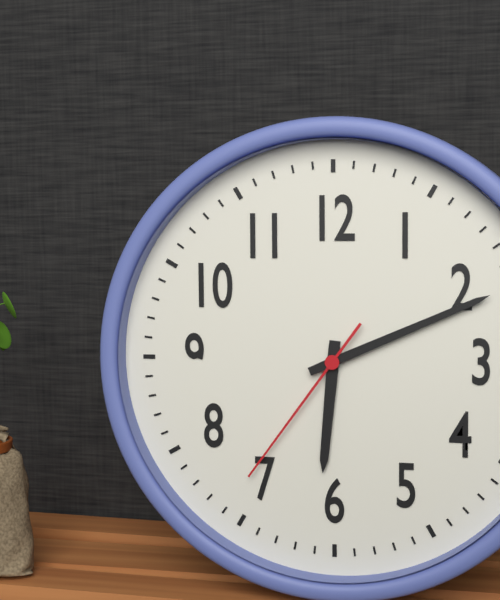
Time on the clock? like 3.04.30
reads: 6.11.36
